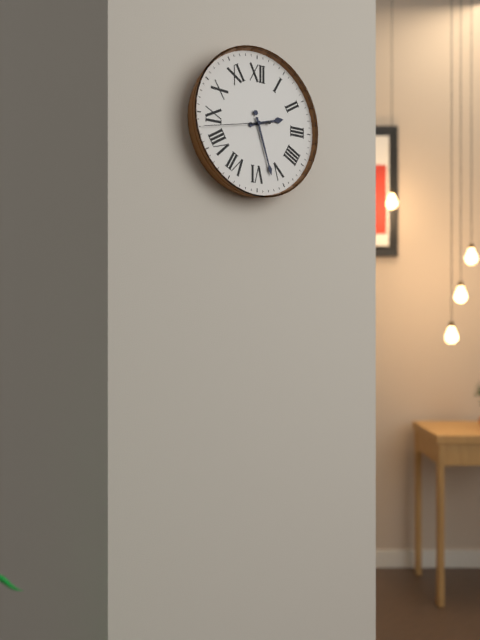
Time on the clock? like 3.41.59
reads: 2.27.43
